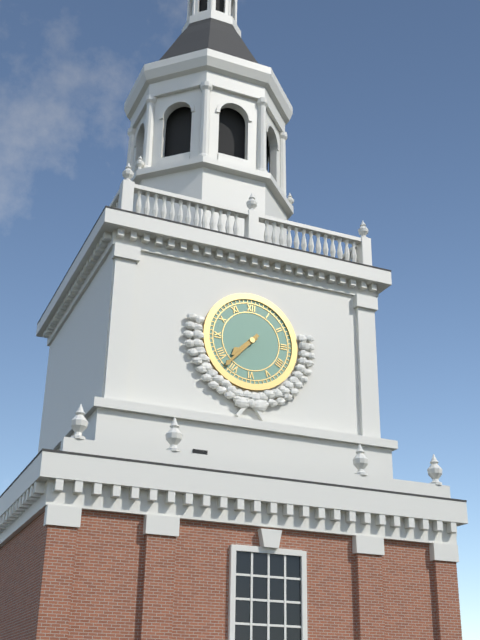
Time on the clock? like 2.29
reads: 7.37
